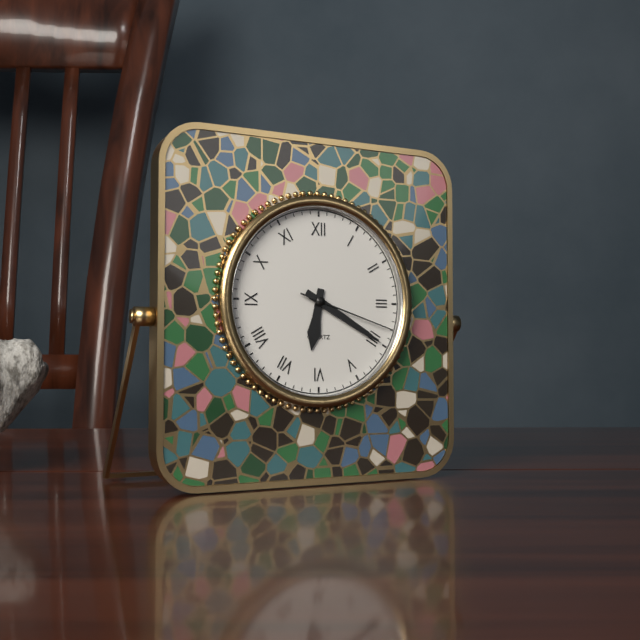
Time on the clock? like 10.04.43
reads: 6.20.18
